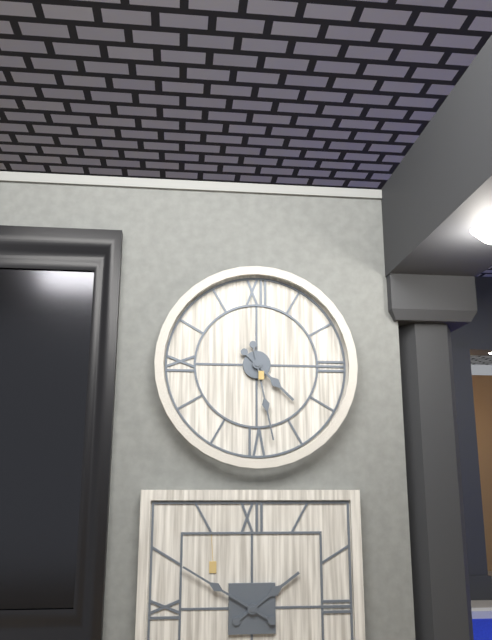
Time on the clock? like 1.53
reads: 4.28
